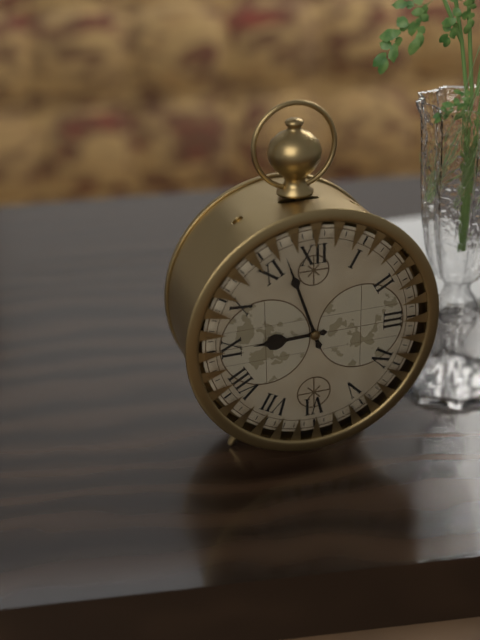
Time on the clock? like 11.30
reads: 8.57
